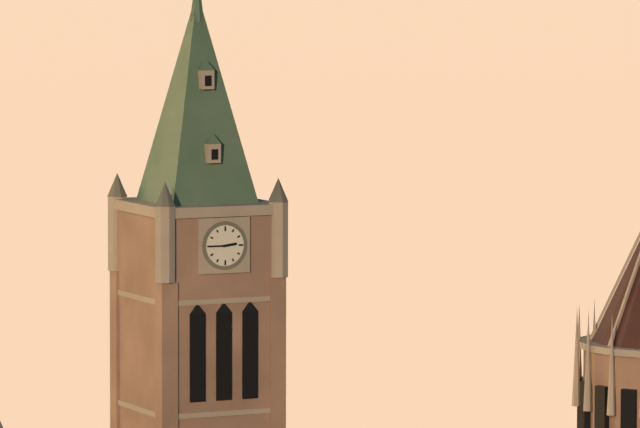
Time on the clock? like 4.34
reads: 2.45
